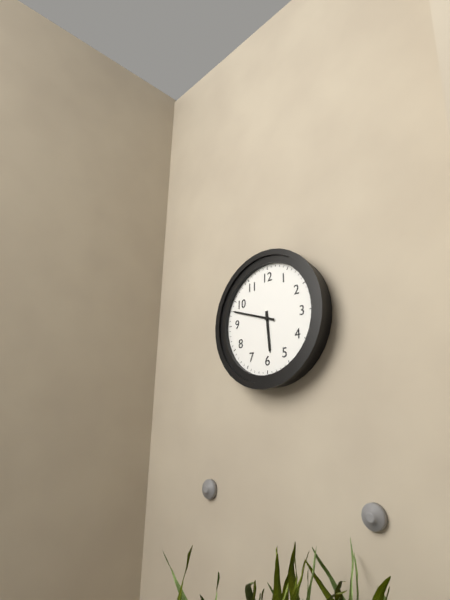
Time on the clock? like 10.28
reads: 5.48
